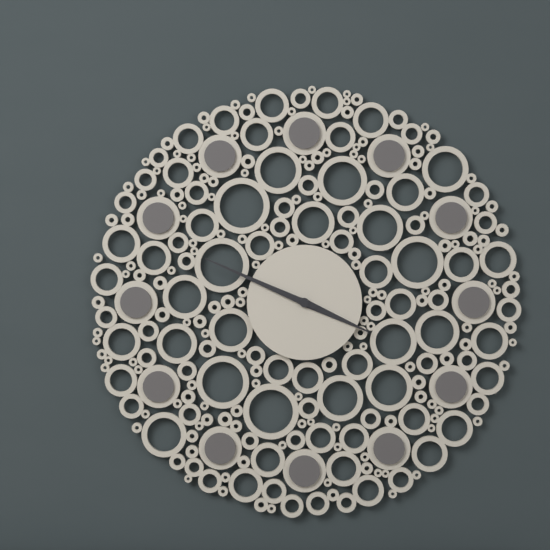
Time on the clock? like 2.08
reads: 3.49
